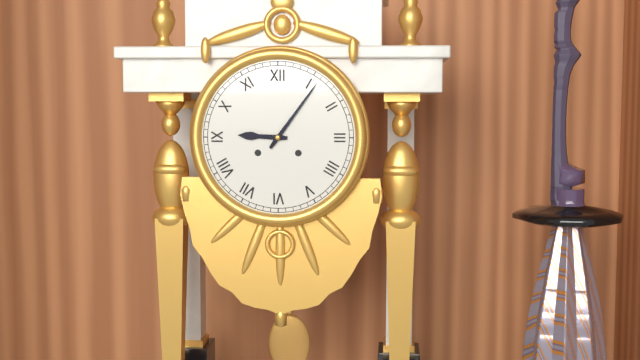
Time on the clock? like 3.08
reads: 9.06
